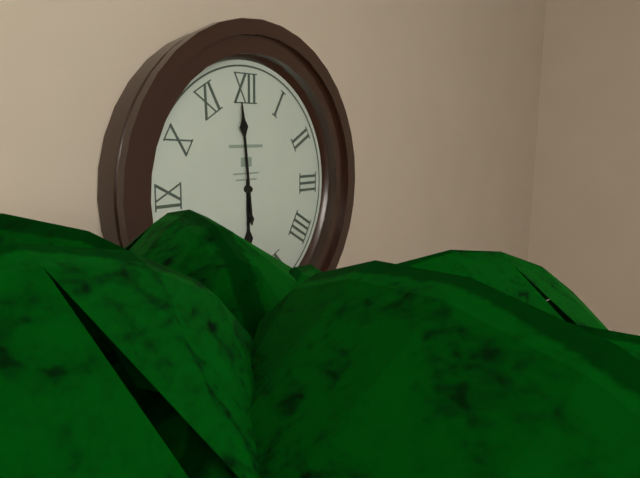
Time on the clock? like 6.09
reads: 5.59
